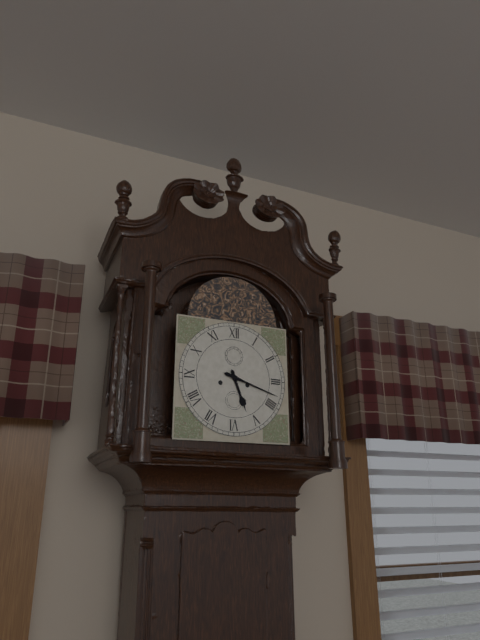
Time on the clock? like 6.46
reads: 5.18
